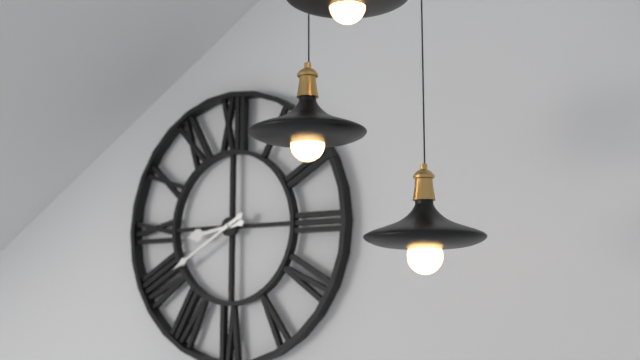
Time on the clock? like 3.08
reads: 8.40
